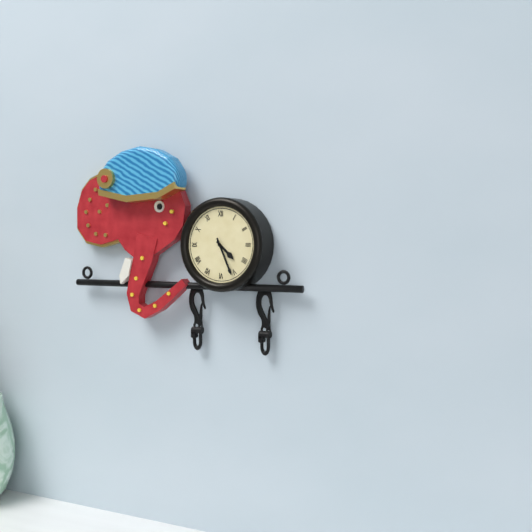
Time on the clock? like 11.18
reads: 4.26
